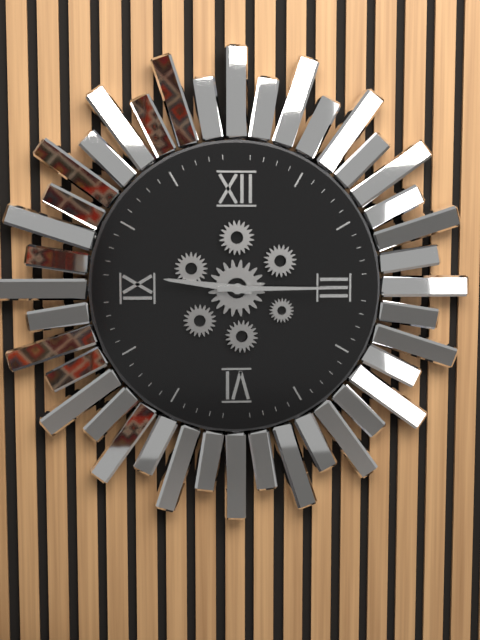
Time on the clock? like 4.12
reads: 9.15
